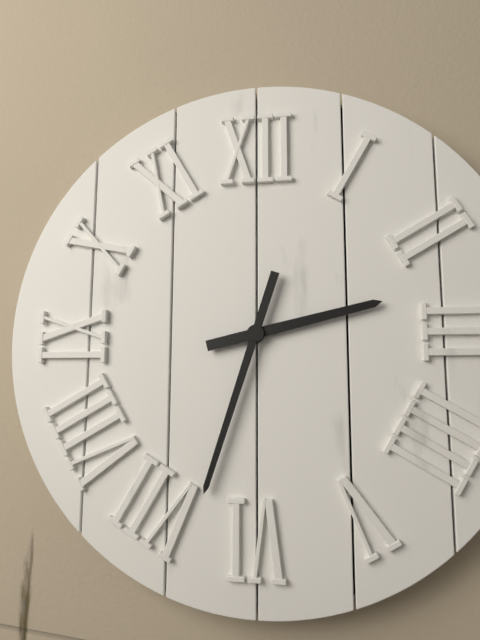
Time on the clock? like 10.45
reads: 2.33
